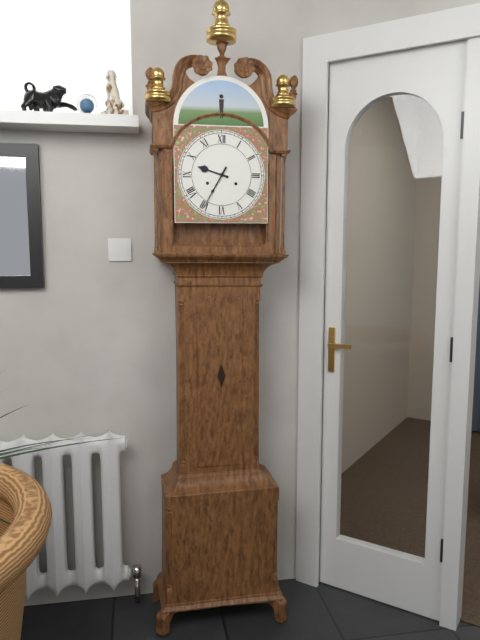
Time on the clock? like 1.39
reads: 9.35
